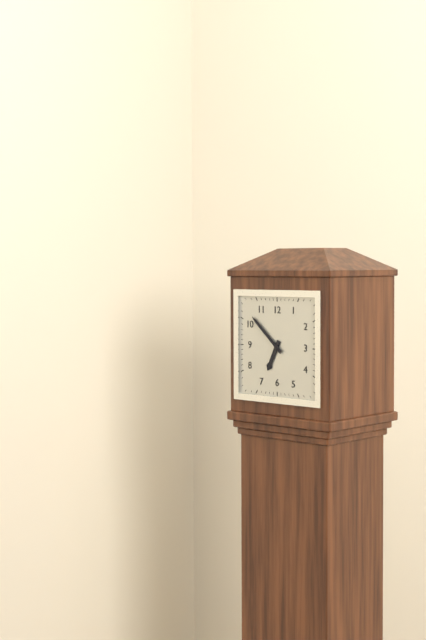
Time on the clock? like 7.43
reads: 6.52
